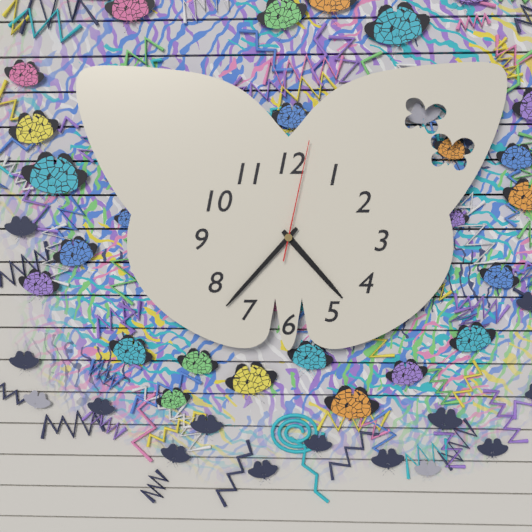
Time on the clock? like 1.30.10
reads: 4.37.02
